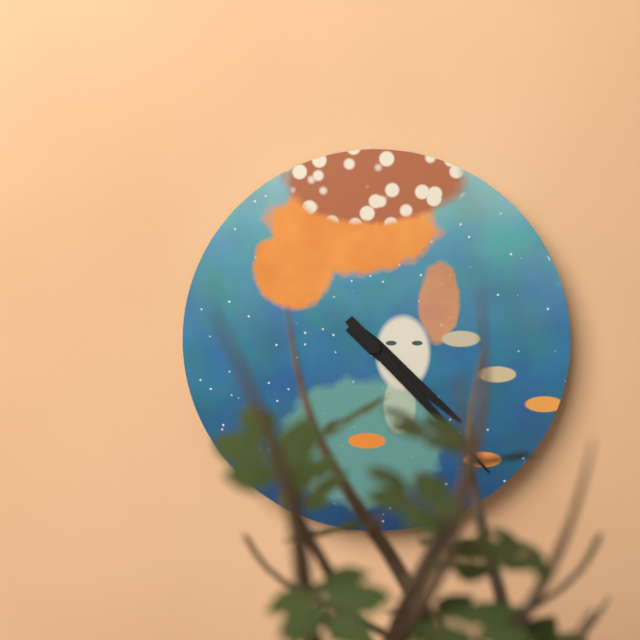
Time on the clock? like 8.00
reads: 4.23
